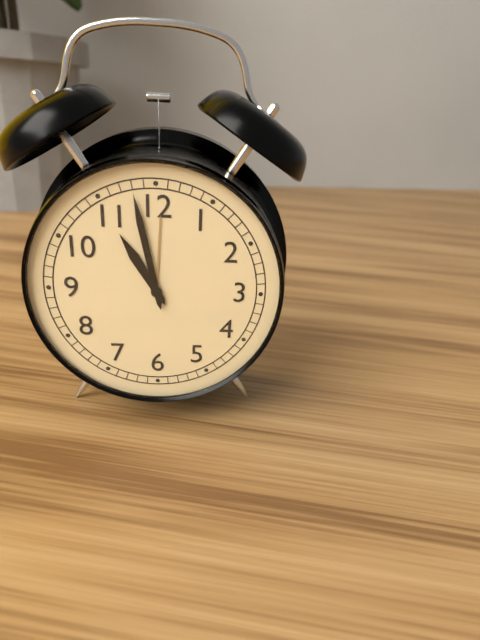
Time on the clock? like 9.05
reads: 10.58
